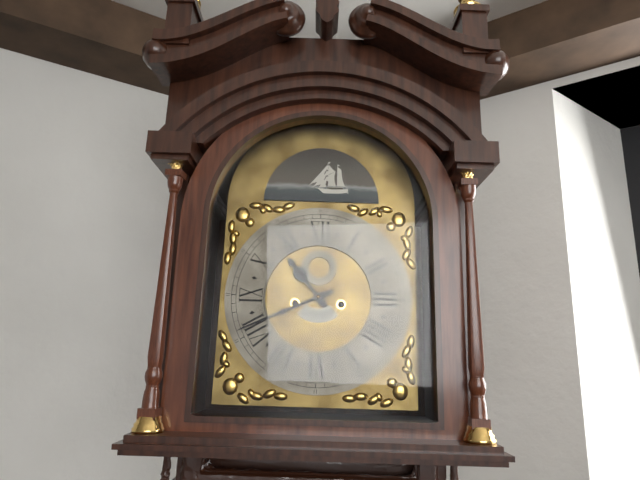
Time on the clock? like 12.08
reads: 10.41
